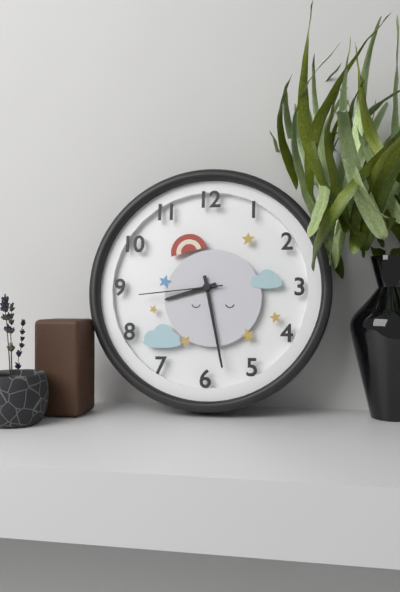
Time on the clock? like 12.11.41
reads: 8.28.44
